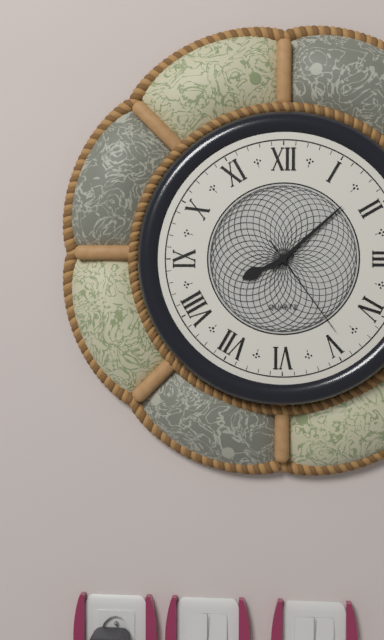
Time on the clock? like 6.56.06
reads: 8.08.24
